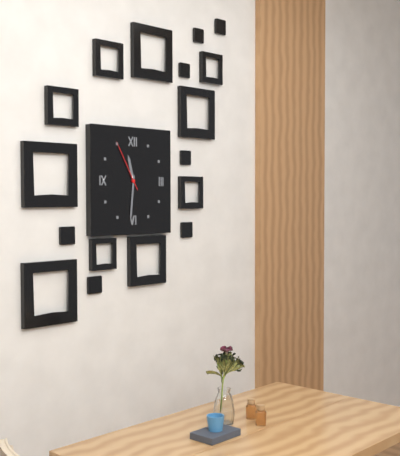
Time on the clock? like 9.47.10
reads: 11.31.55
